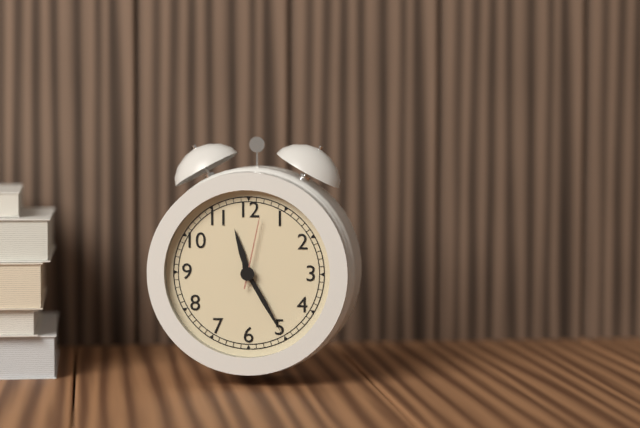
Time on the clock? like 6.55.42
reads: 11.25.02
